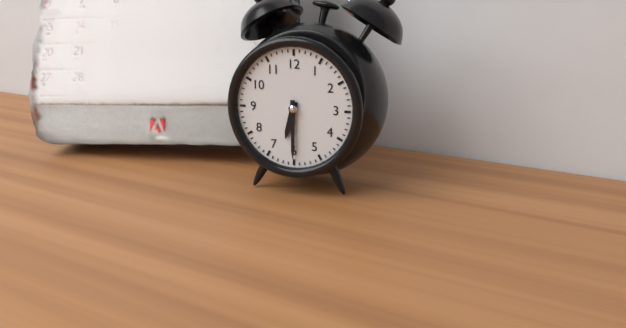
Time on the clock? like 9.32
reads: 6.30
